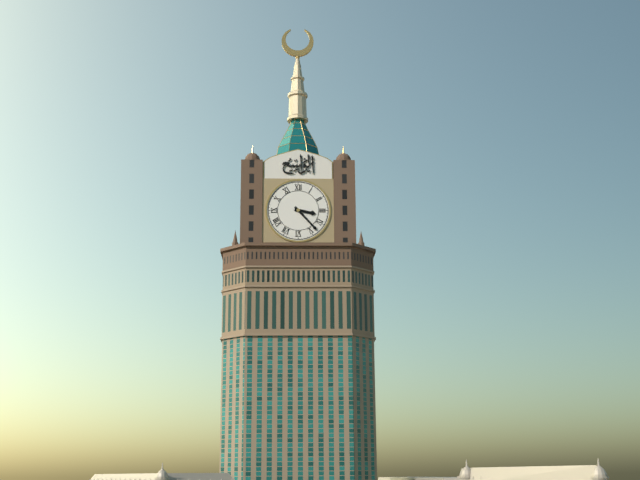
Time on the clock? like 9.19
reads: 3.23
